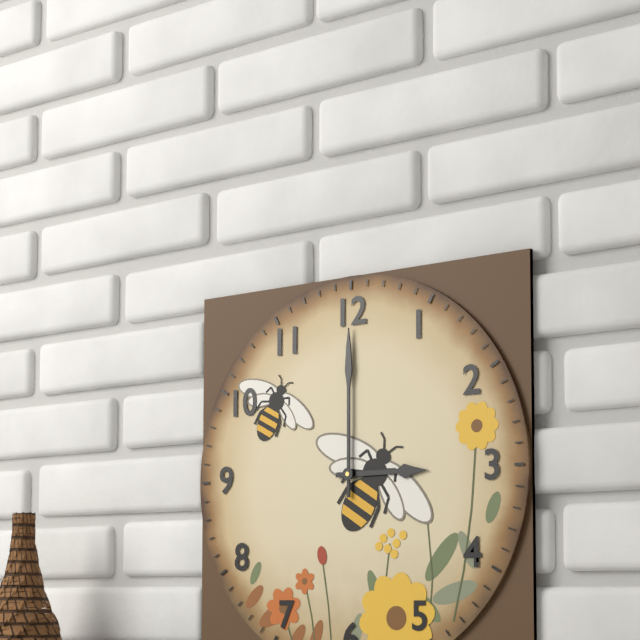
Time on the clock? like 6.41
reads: 3.00
